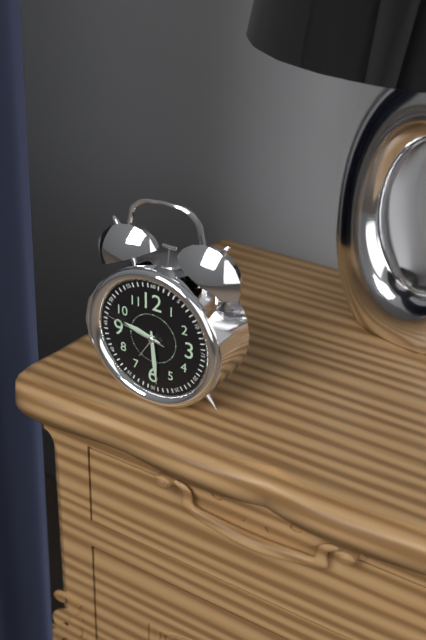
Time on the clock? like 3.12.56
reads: 9.29.47
